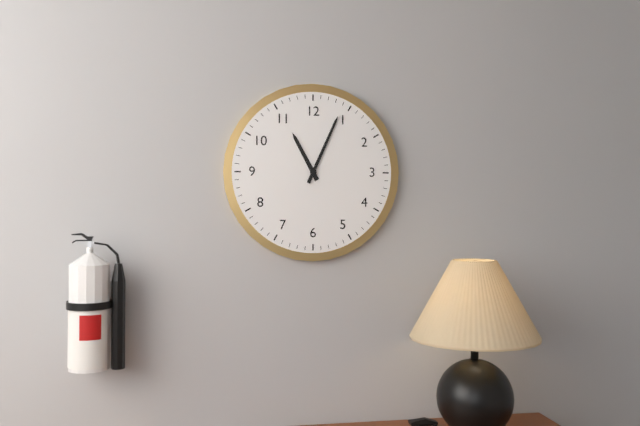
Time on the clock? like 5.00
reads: 11.04
